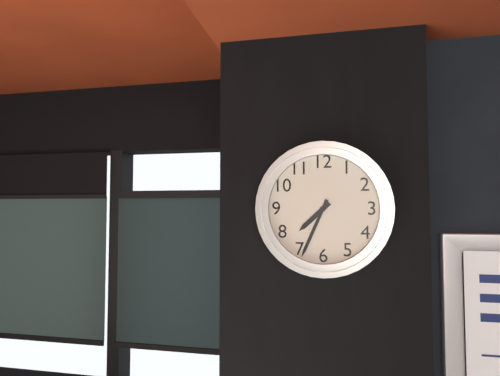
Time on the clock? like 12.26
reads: 7.34
